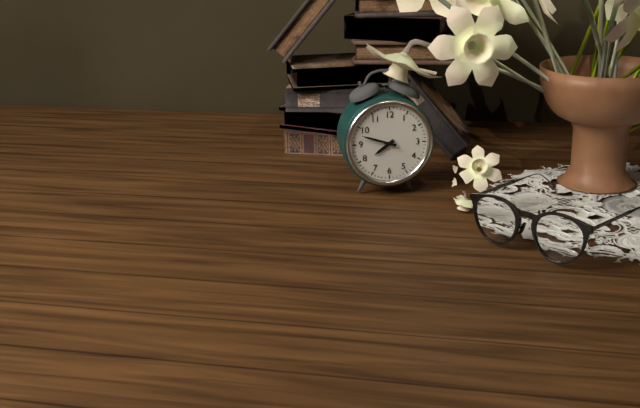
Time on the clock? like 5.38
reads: 7.48
